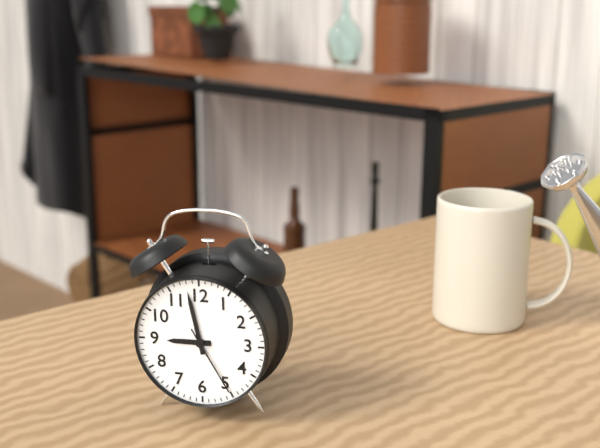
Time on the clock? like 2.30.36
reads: 8.58.25
